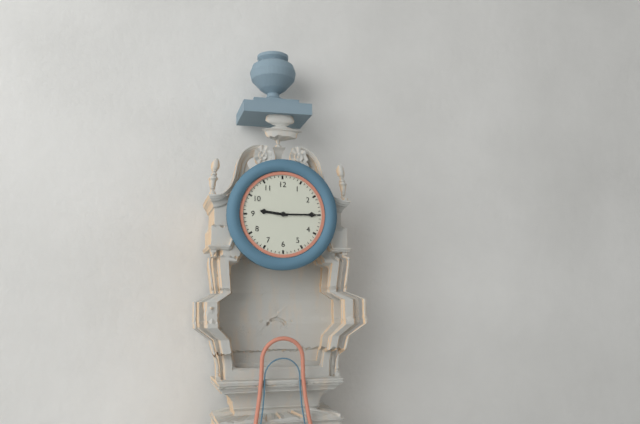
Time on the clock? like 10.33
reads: 9.15
